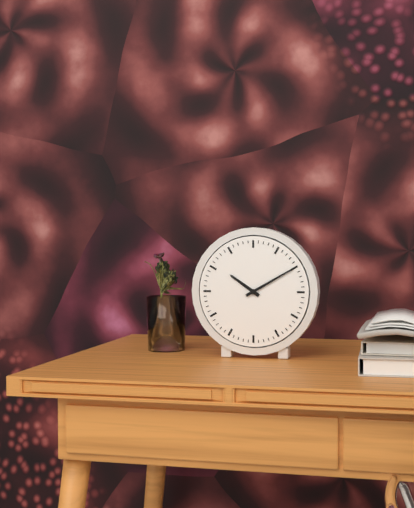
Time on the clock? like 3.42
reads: 10.10
